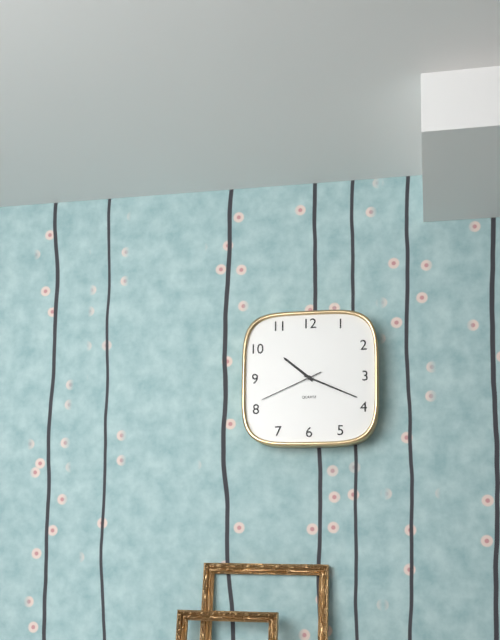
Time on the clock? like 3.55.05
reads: 10.19.41
